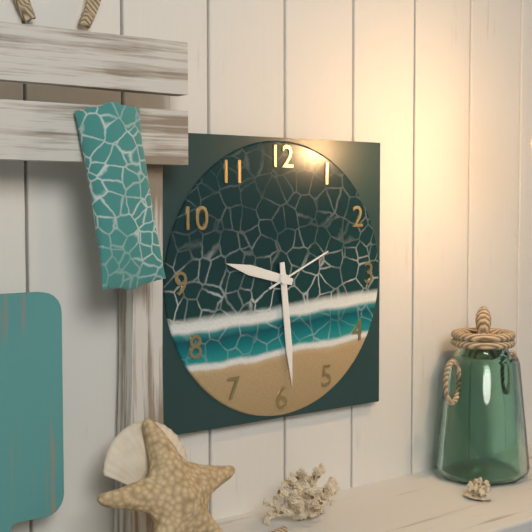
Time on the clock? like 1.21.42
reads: 9.29.11
